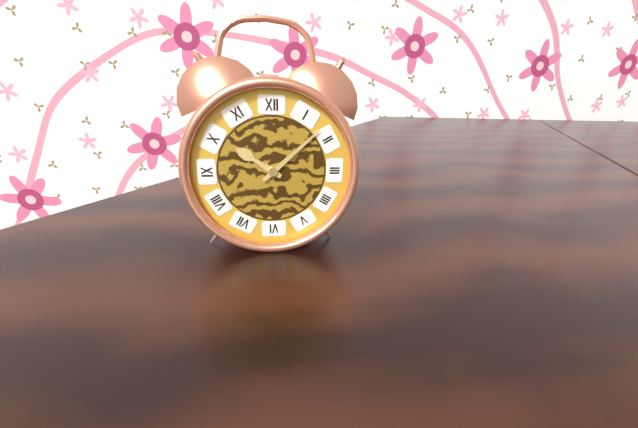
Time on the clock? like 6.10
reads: 10.08
